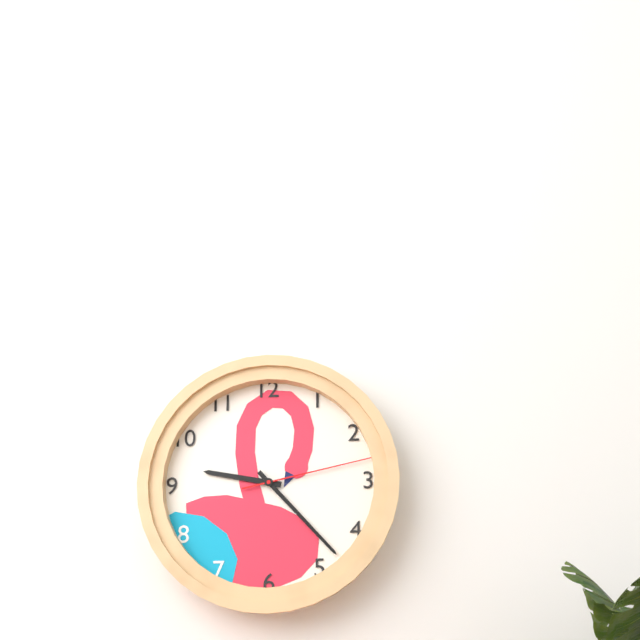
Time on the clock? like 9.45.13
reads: 9.23.13
